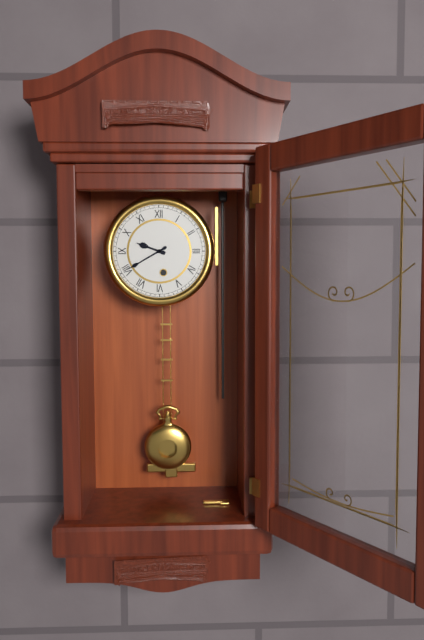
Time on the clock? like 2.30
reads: 9.40
